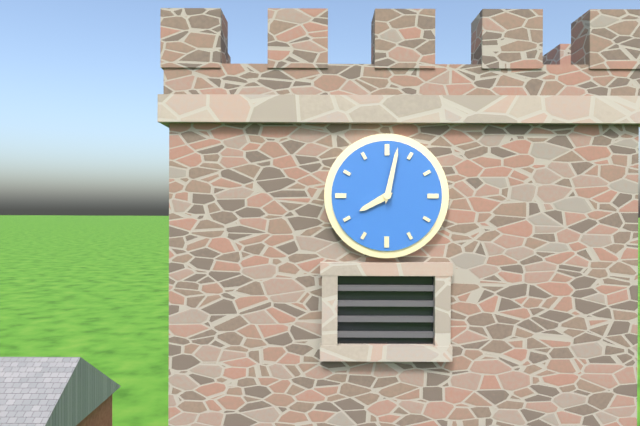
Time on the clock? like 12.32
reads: 8.02
